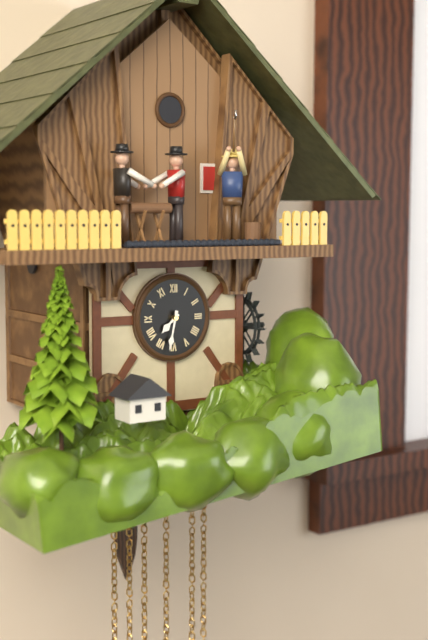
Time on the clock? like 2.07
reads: 7.32
